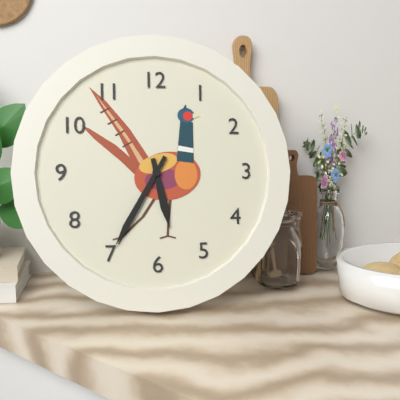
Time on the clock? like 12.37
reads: 5.35
